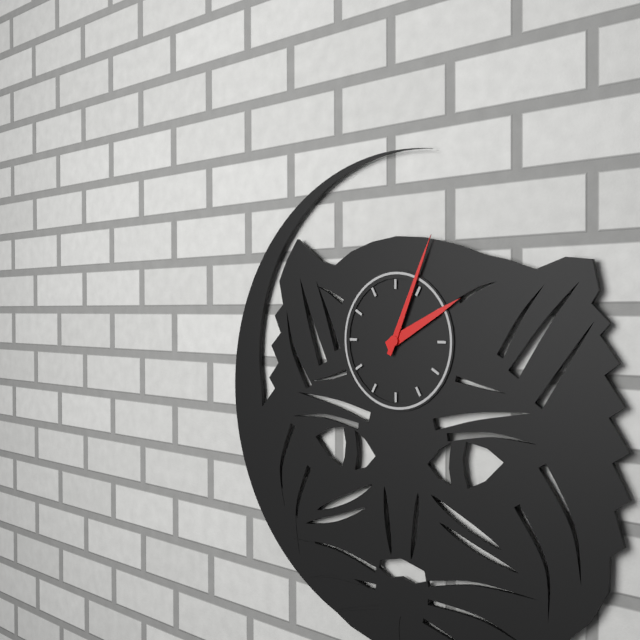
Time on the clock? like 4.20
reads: 2.04
